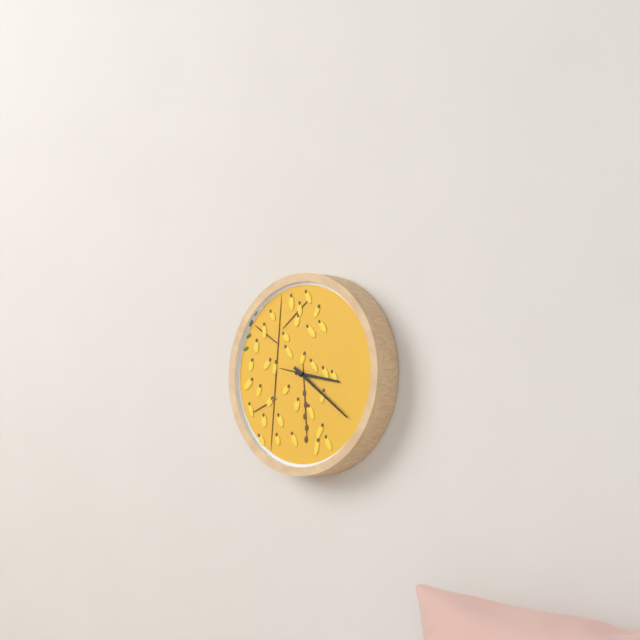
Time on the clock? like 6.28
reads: 3.21
